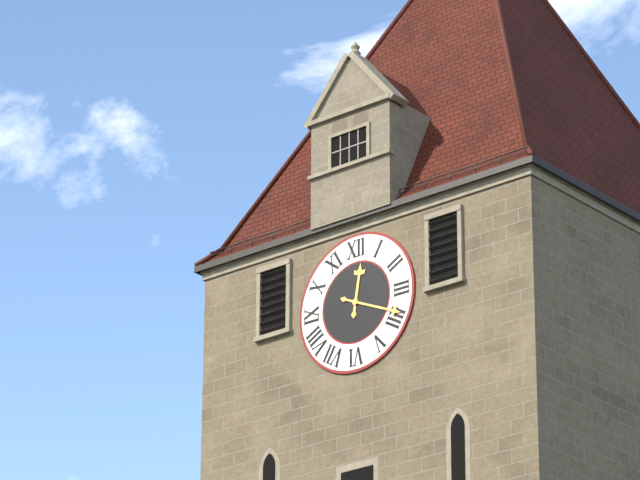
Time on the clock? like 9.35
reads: 12.19
